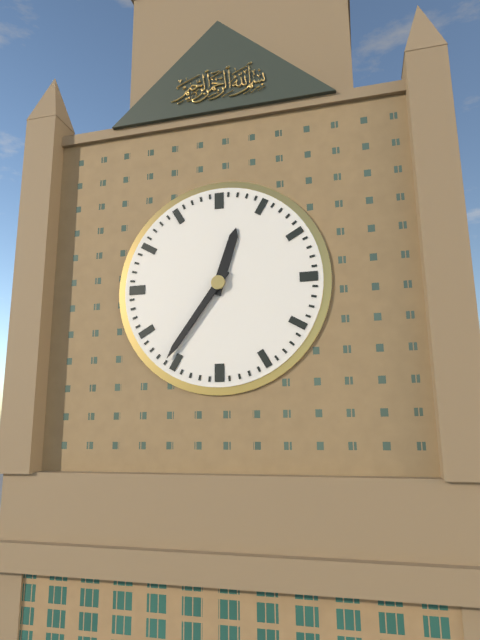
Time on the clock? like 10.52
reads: 12.36
